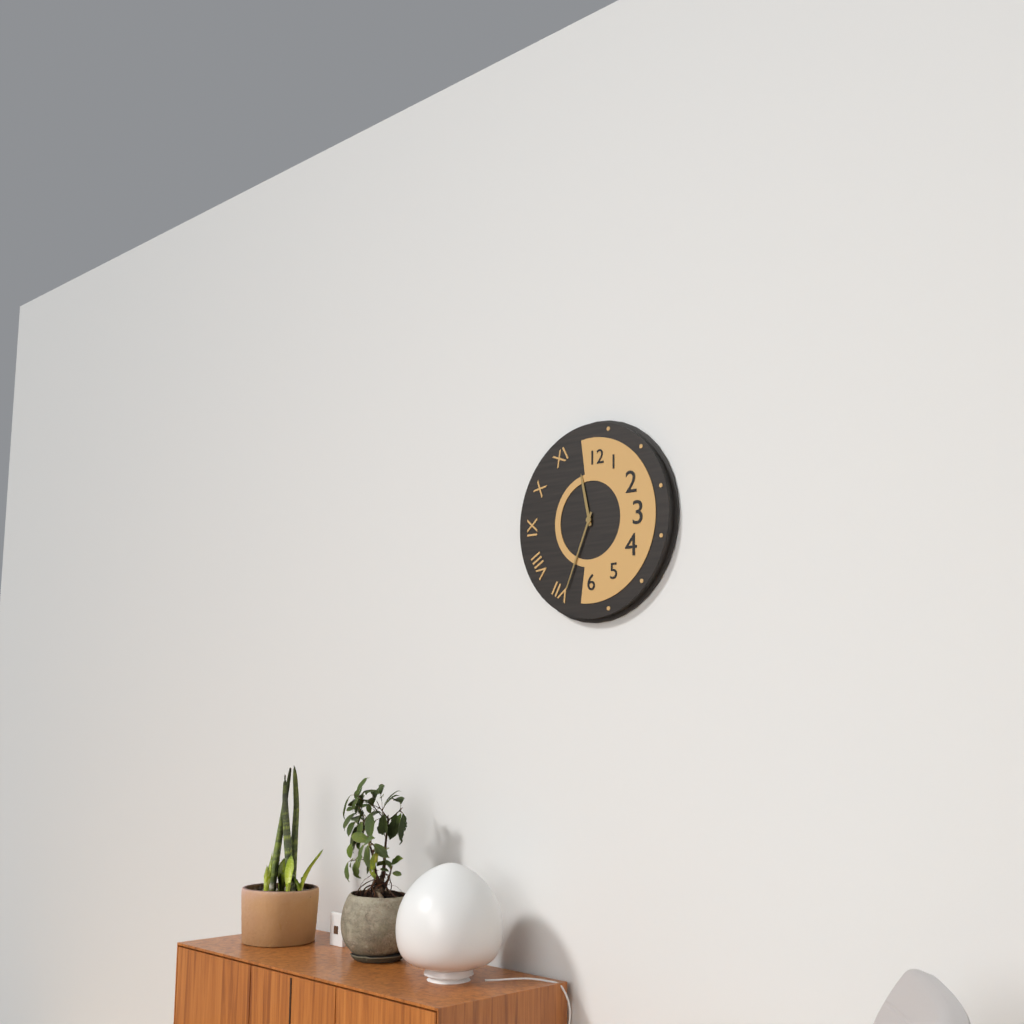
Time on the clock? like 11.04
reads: 11.34
